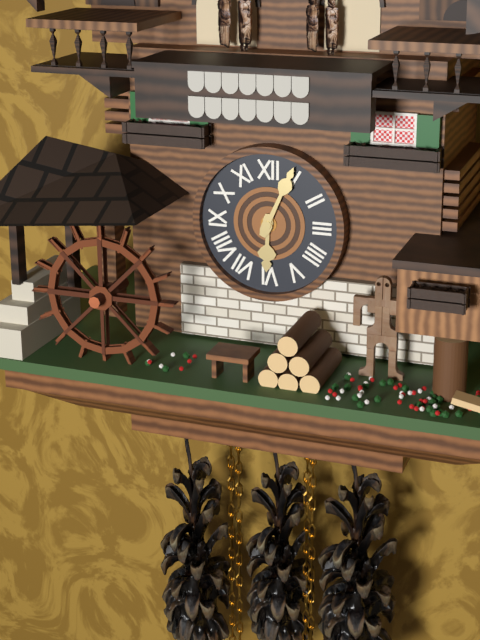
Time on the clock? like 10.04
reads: 6.04
